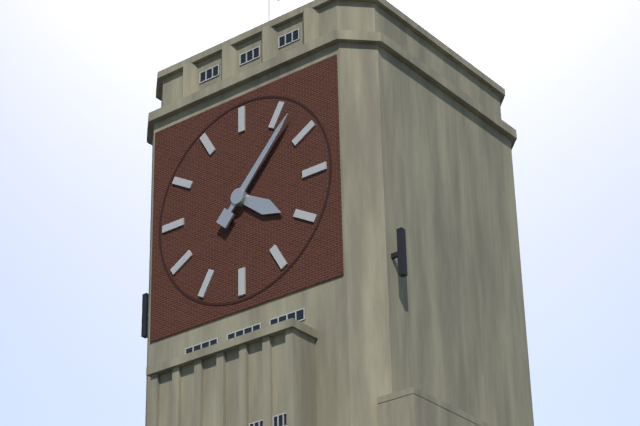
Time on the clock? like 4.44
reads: 4.07
